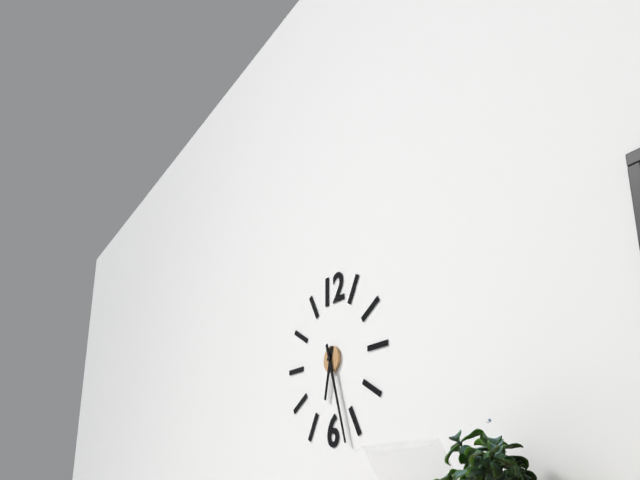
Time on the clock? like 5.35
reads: 6.27
